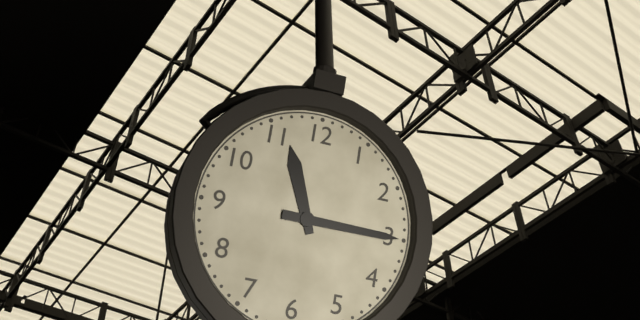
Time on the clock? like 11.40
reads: 11.15
